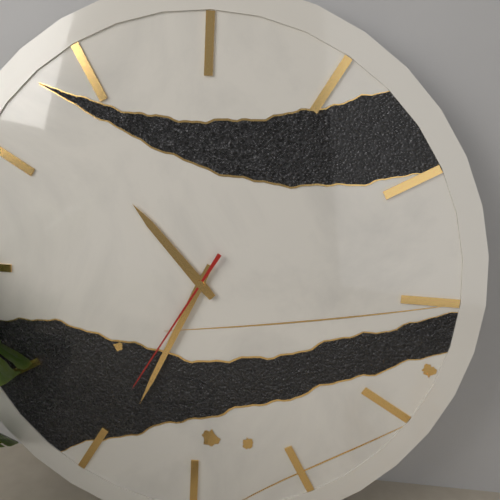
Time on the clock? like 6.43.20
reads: 10.34.35
